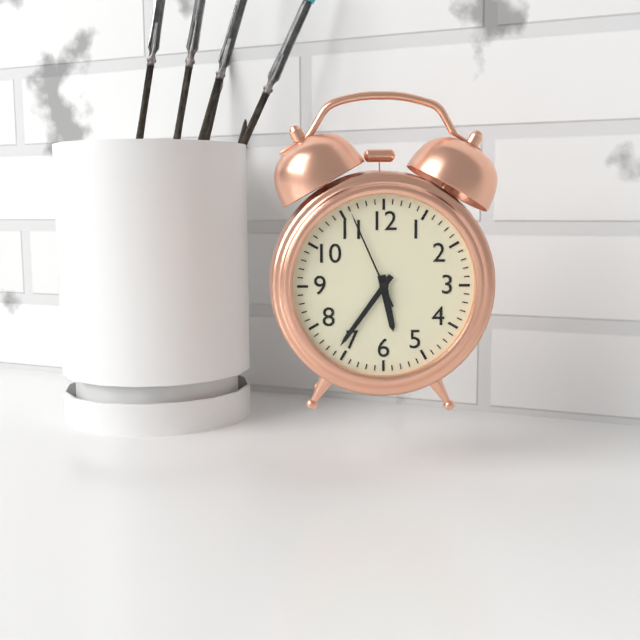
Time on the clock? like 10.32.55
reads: 5.36.56
